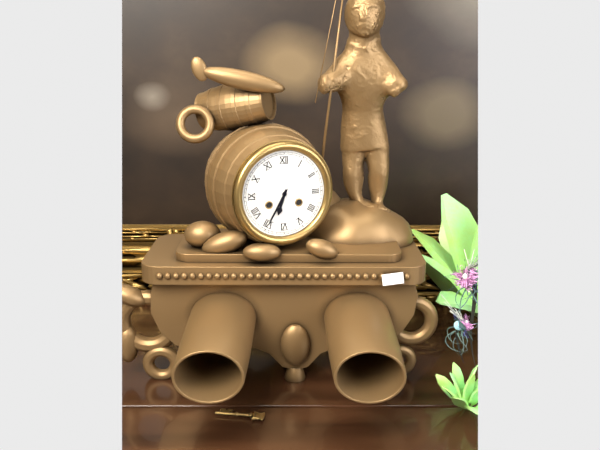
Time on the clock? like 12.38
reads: 6.35
